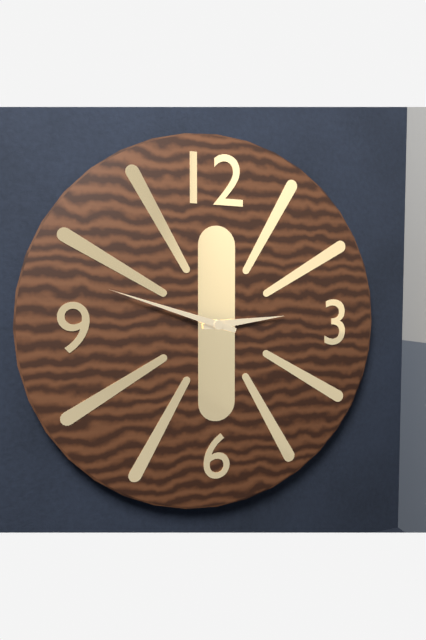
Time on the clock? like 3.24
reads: 2.48
